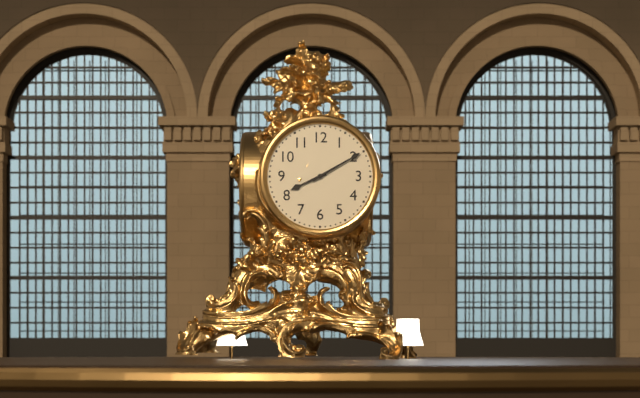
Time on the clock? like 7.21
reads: 8.10
